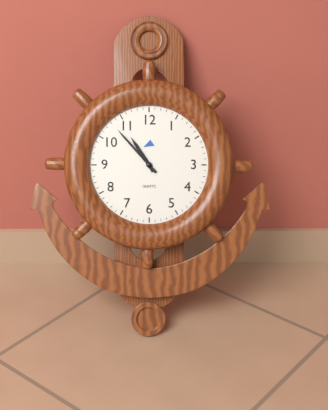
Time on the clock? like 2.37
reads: 10.53
